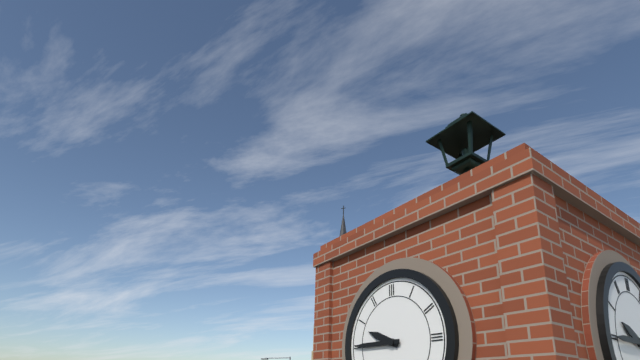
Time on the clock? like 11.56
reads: 9.45
